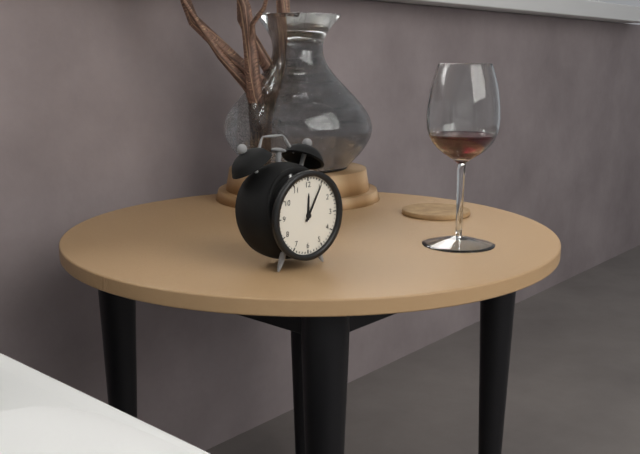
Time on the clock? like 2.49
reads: 12.05
